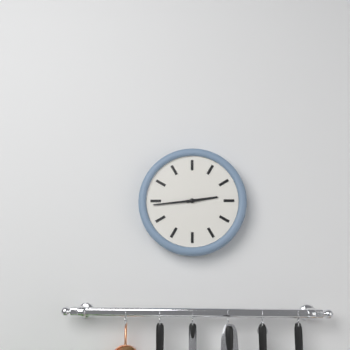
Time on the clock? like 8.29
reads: 2.44
